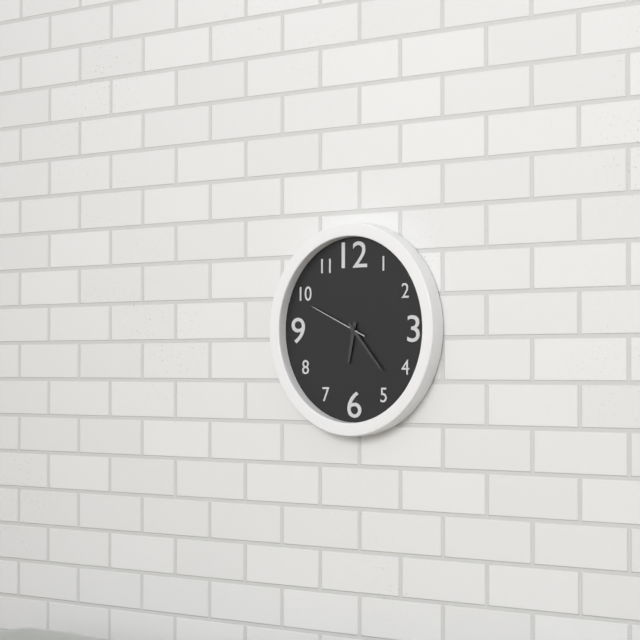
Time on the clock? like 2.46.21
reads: 6.23.49
